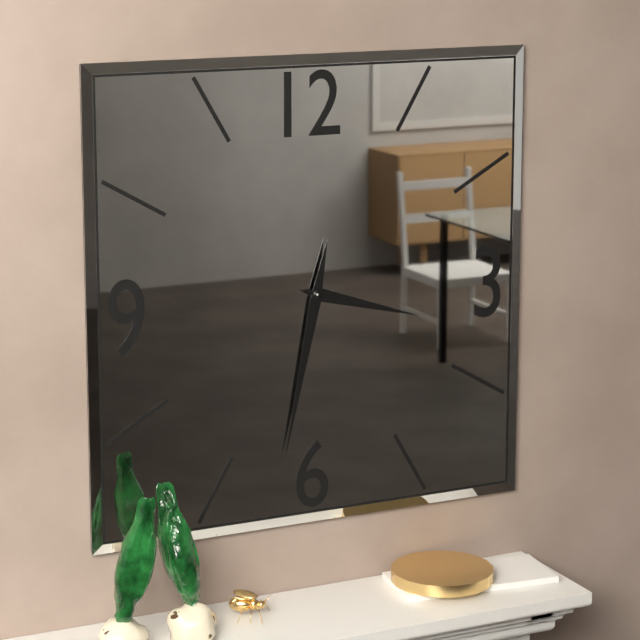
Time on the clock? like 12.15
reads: 3.32
